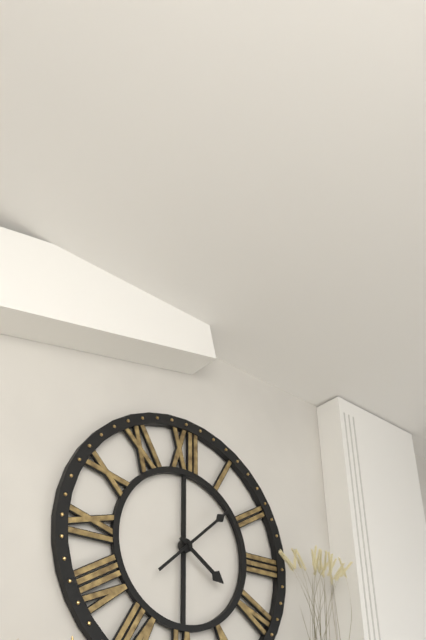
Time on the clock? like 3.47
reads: 4.08
